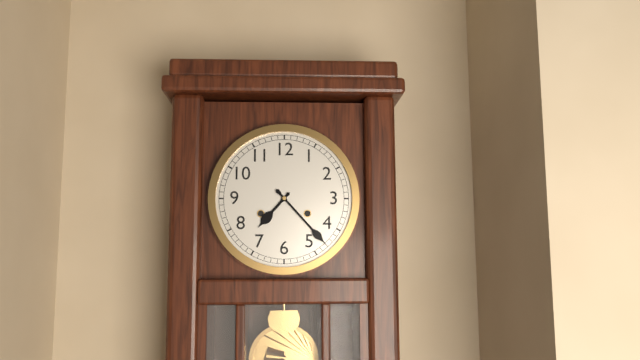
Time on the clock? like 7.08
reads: 7.23
